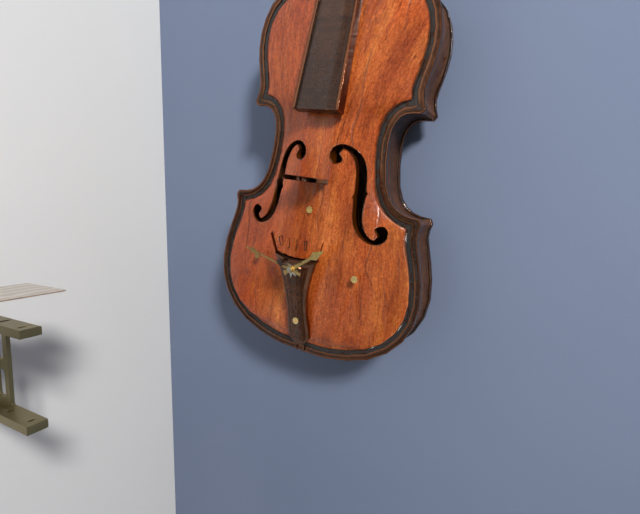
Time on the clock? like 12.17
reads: 1.47
